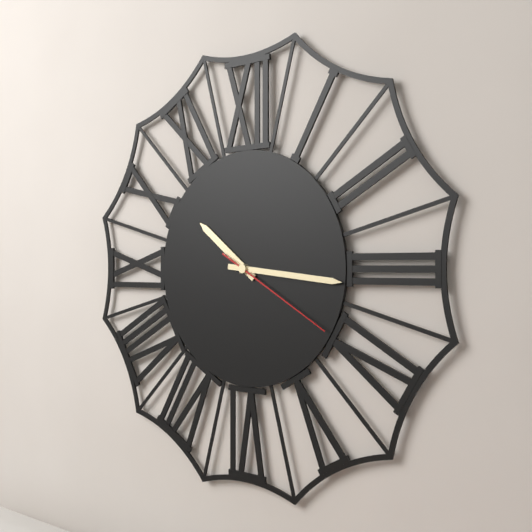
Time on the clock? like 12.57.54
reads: 10.16.20
